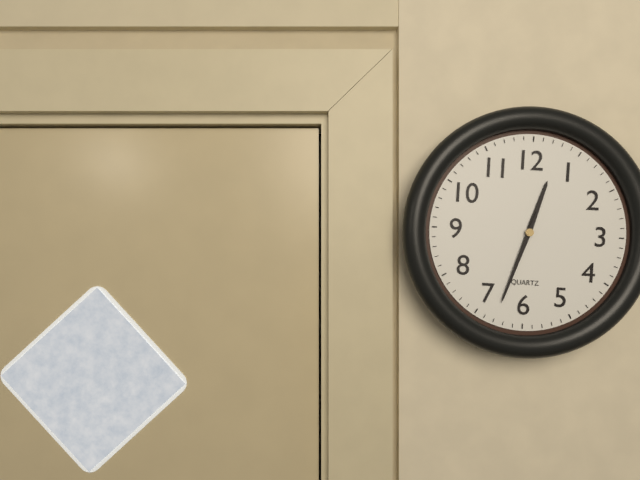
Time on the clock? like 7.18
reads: 12.33
